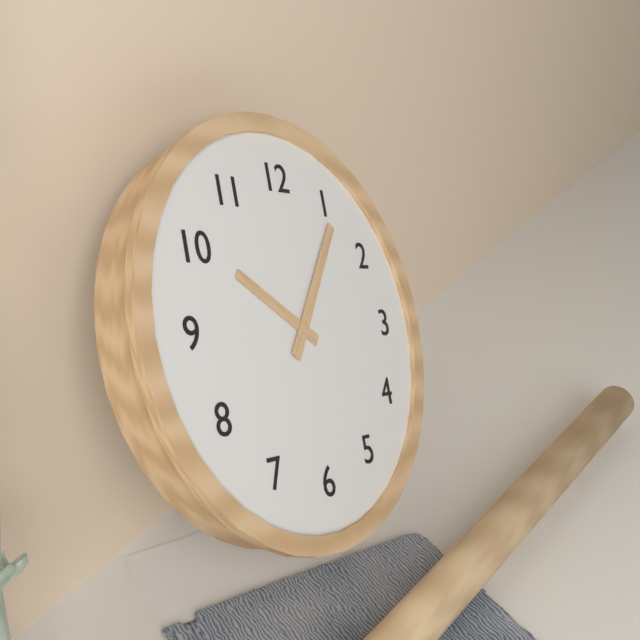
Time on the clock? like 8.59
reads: 10.06
